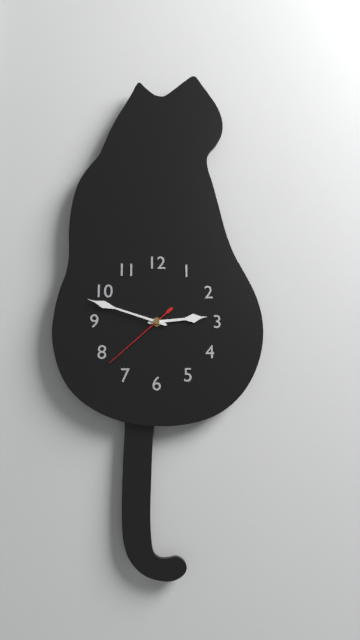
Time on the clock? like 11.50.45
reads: 2.48.38
